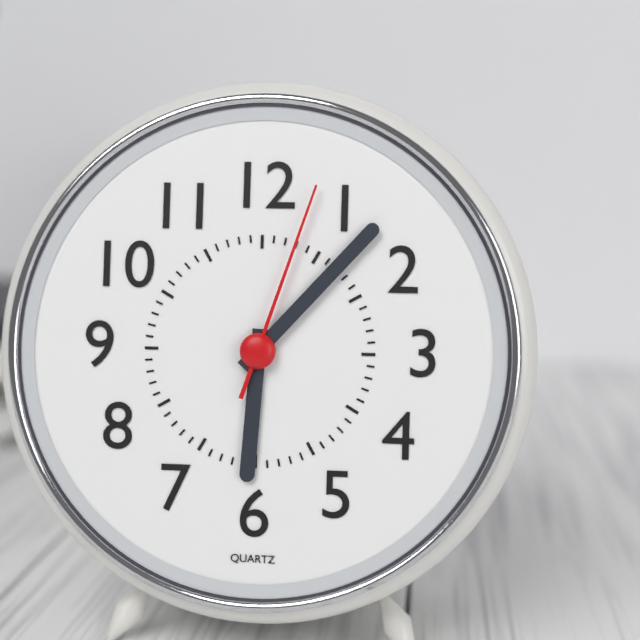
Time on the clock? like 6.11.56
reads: 6.07.03
